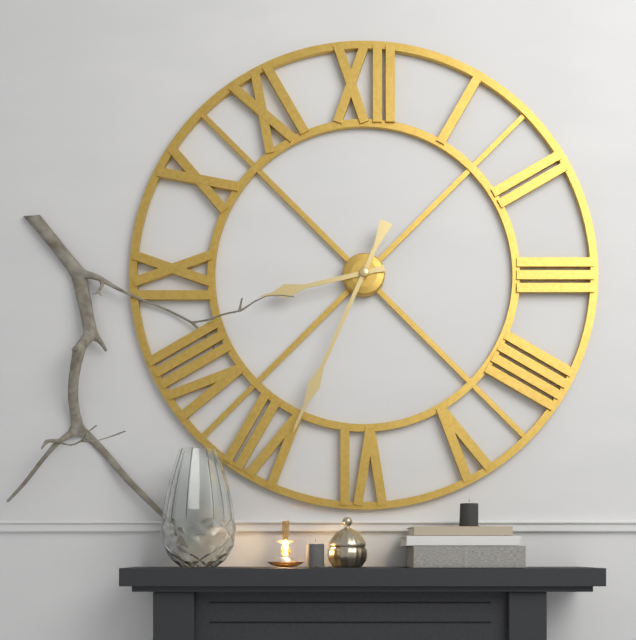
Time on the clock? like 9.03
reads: 8.34
